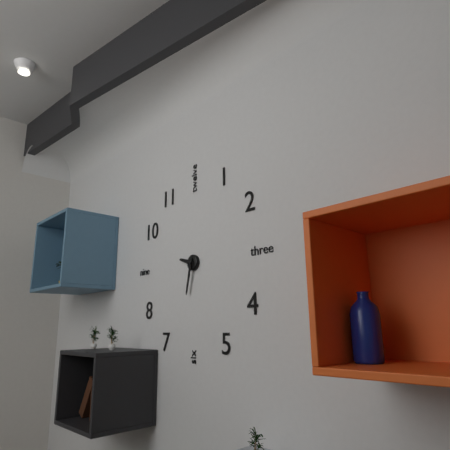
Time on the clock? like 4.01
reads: 9.32
